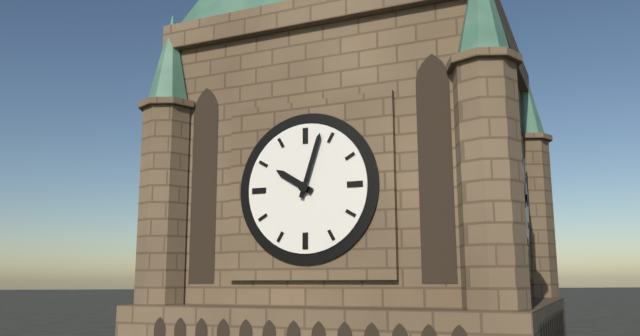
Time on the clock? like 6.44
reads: 10.03
